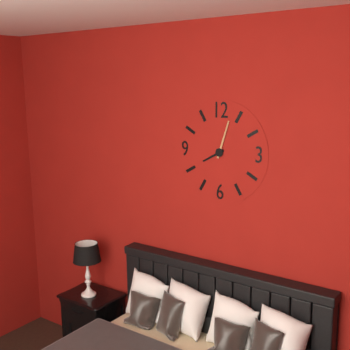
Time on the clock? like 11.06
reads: 8.03
